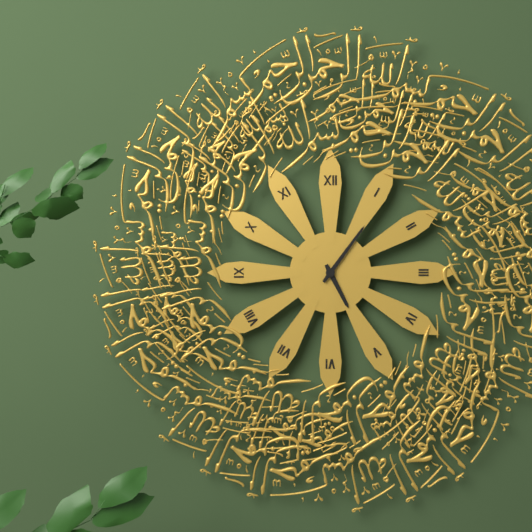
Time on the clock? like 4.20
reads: 5.06
